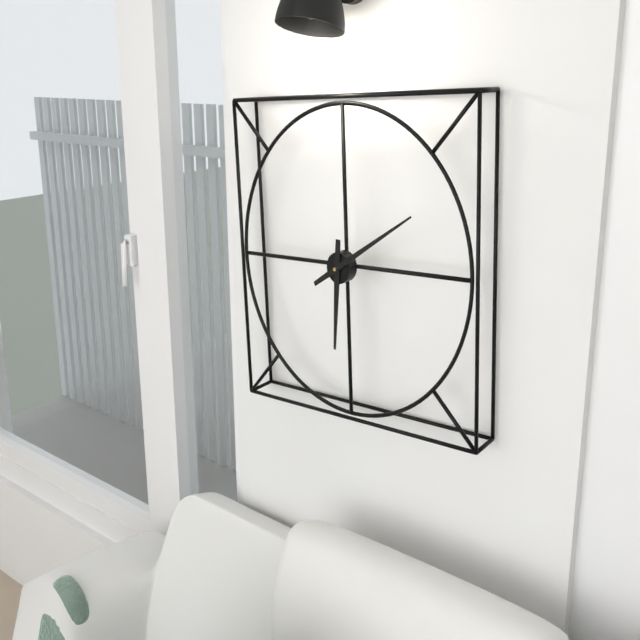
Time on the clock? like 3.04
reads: 6.10
